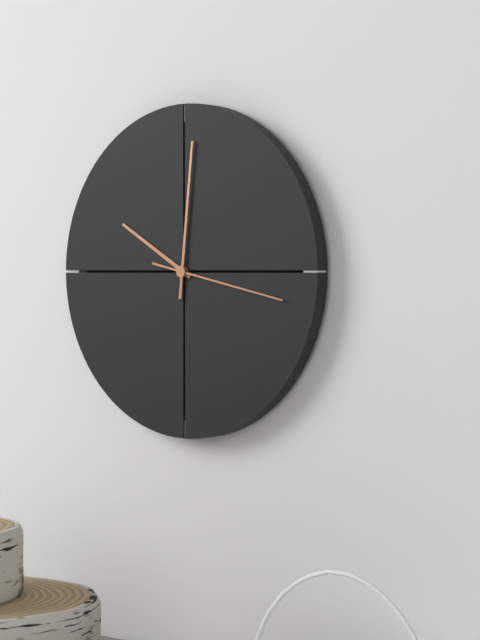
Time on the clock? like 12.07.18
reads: 10.01.17
